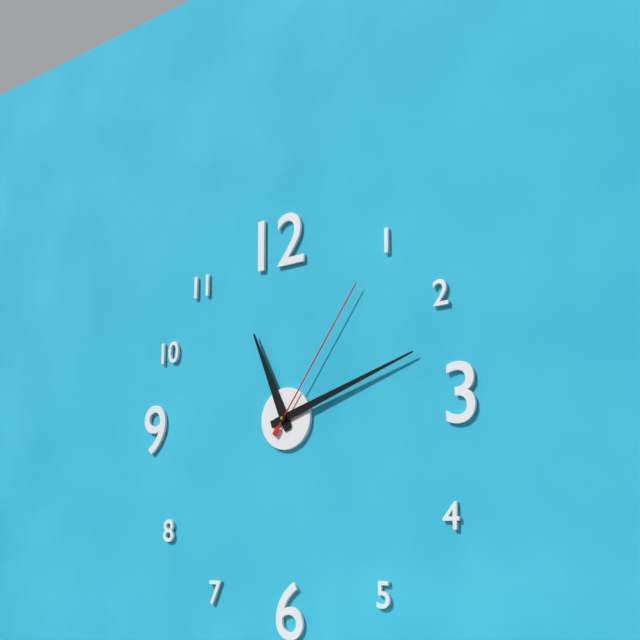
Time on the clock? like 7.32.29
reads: 11.12.06
